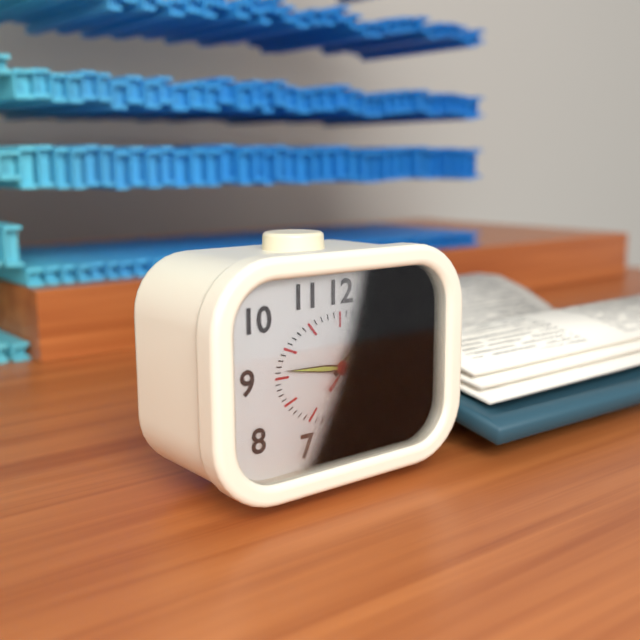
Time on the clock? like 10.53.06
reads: 1.46.07
